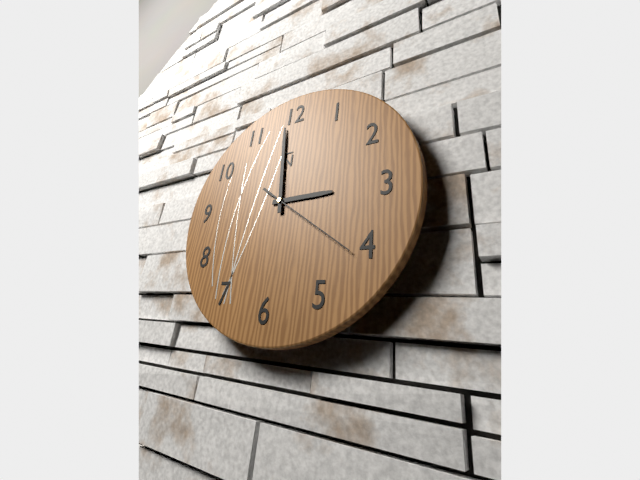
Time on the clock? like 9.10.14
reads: 2.59.21
